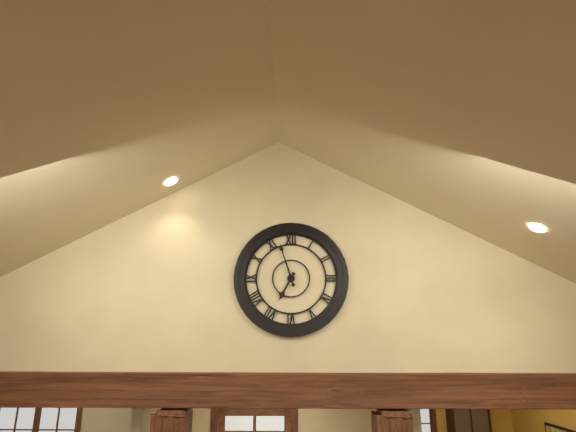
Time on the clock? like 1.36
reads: 6.57
